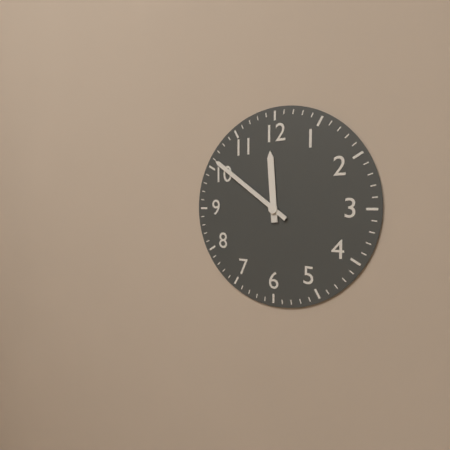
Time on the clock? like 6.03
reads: 11.51
